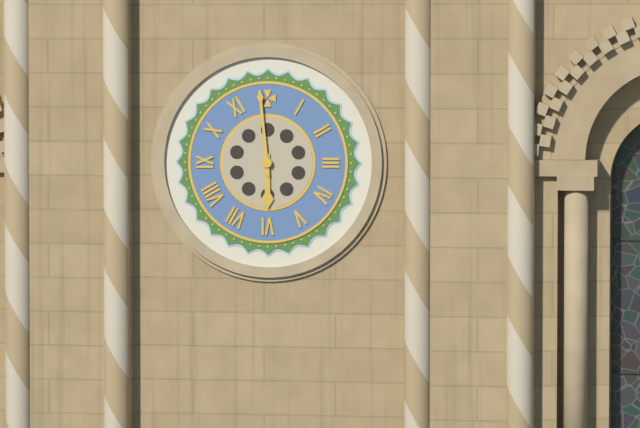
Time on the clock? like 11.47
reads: 5.59
